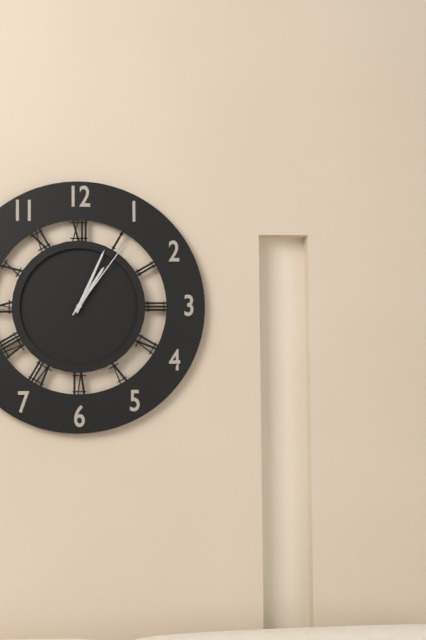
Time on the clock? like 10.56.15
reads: 1.04.06
